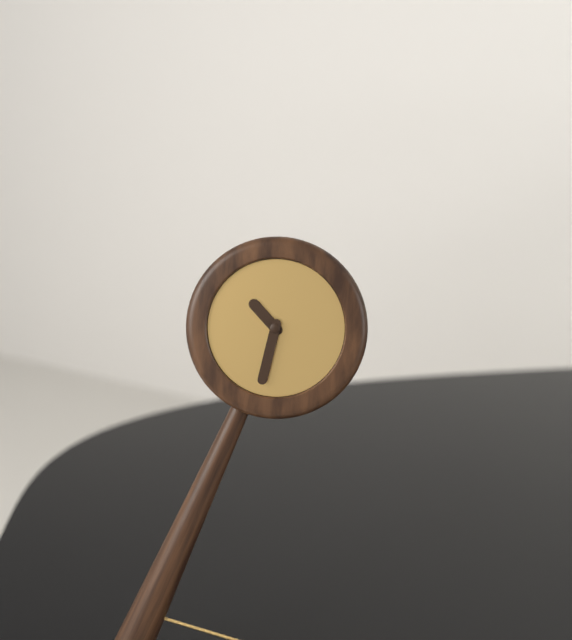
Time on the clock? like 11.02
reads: 10.32
